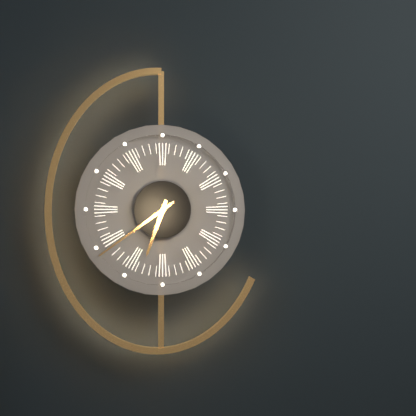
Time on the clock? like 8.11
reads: 6.39
